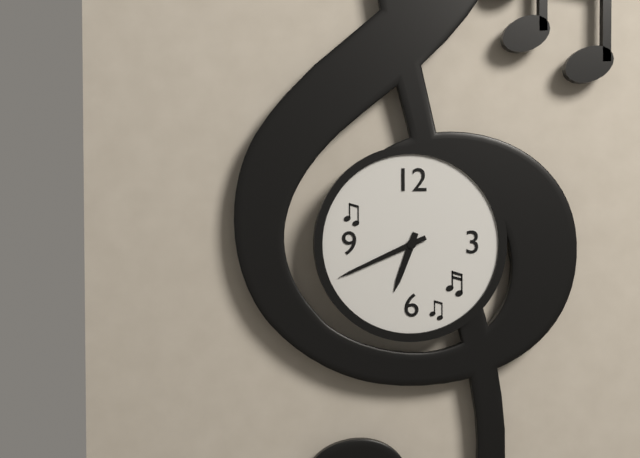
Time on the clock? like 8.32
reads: 6.41
